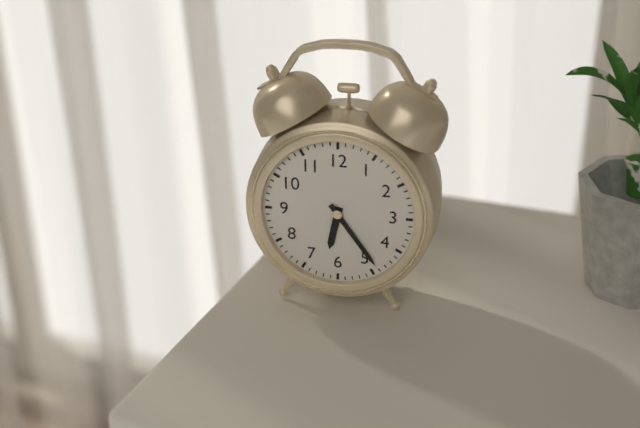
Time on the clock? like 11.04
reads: 6.24
